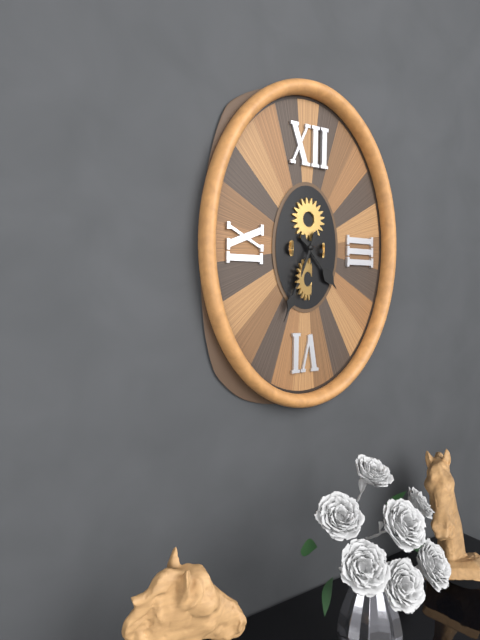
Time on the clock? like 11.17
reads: 4.34
